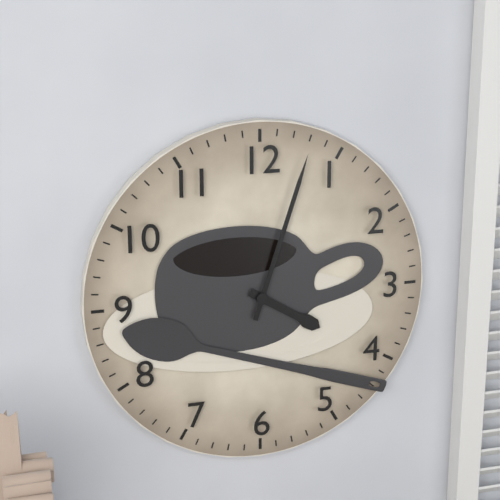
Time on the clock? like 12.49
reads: 4.03
